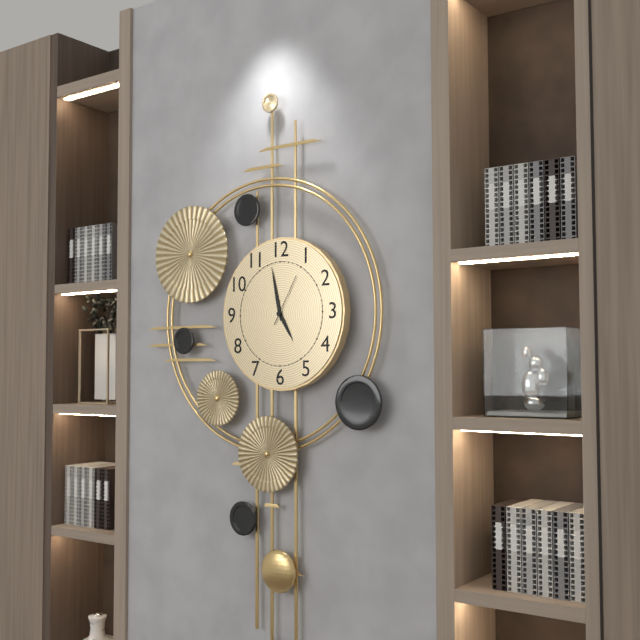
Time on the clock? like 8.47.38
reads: 4.58.05
